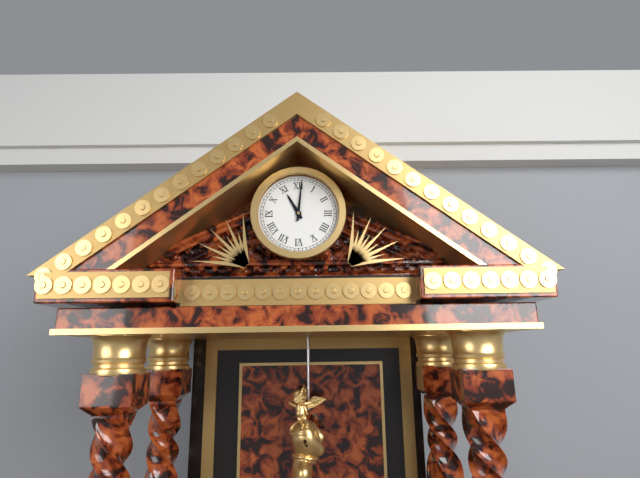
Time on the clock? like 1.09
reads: 11.01
